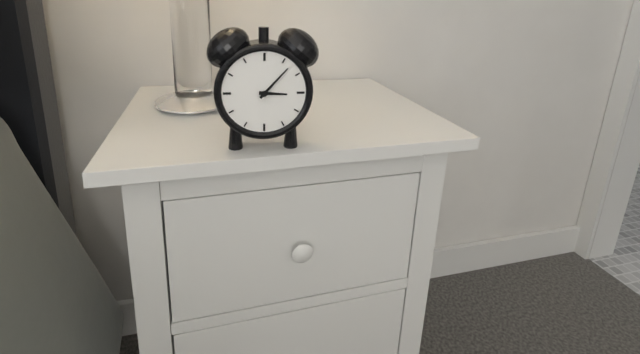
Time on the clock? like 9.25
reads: 3.07
